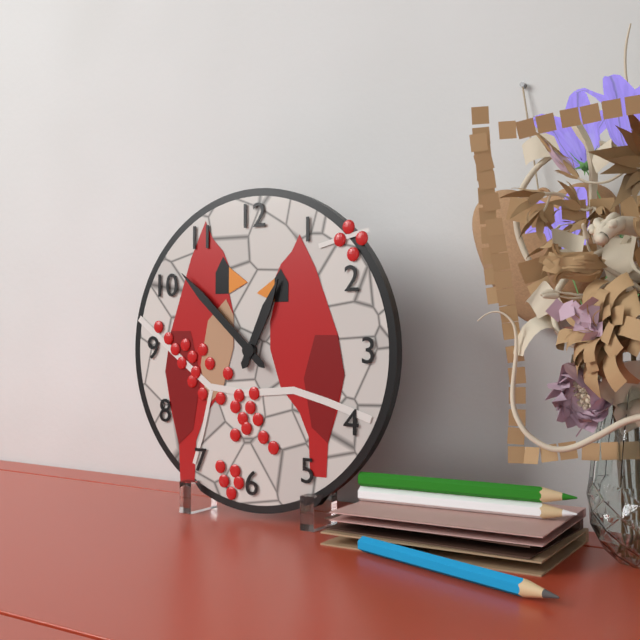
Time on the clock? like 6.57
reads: 12.52
